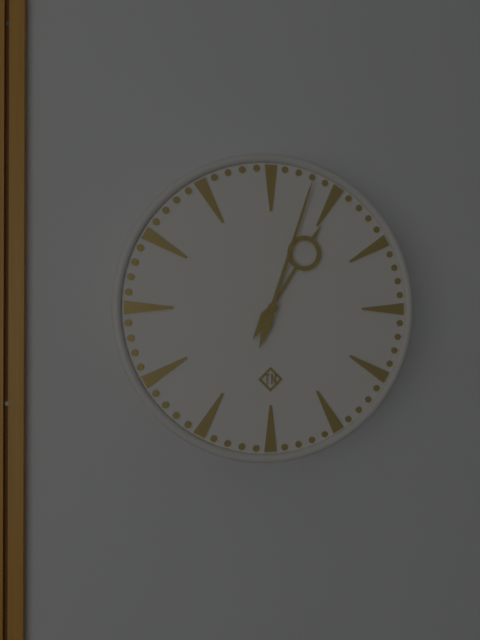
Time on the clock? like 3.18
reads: 1.03
